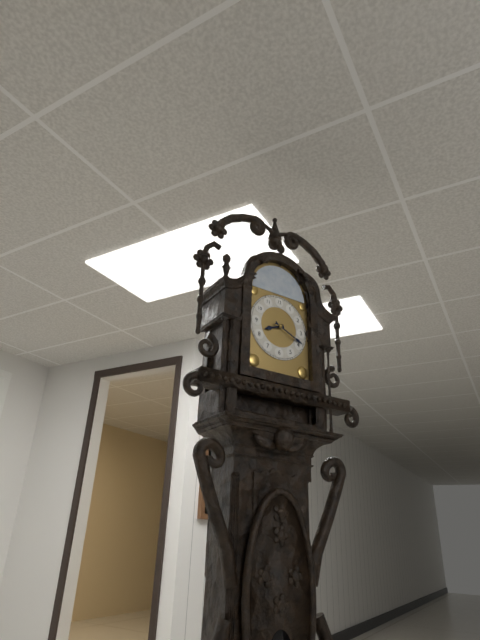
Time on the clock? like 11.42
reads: 8.19
